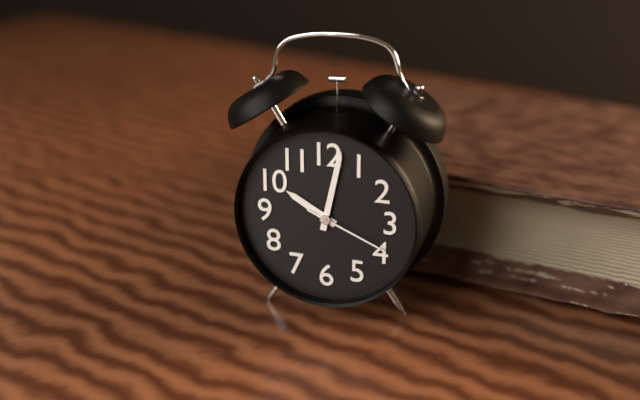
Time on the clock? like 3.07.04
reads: 10.02.19
